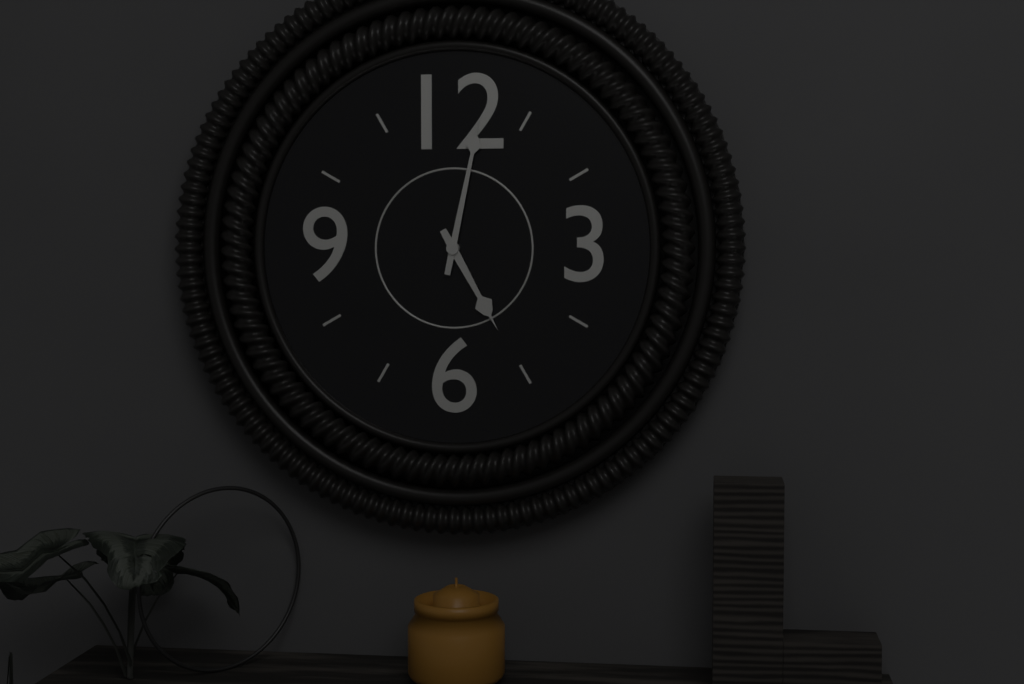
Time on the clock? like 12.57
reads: 5.02
